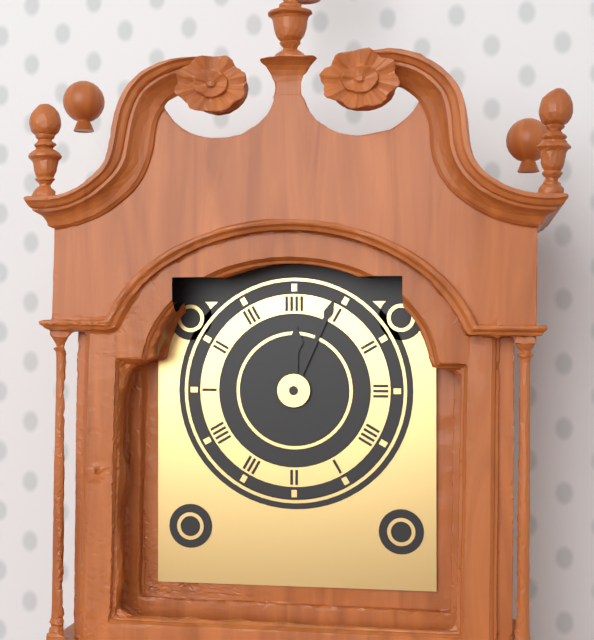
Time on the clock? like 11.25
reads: 12.04
